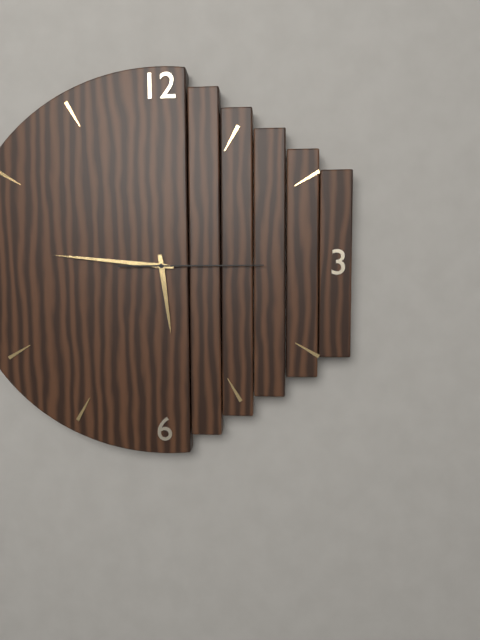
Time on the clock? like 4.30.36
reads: 5.46.15
